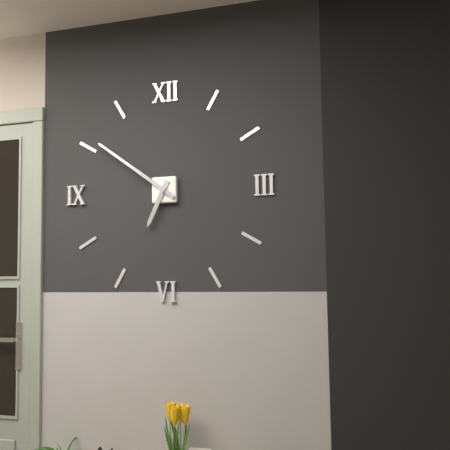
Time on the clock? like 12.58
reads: 6.51
